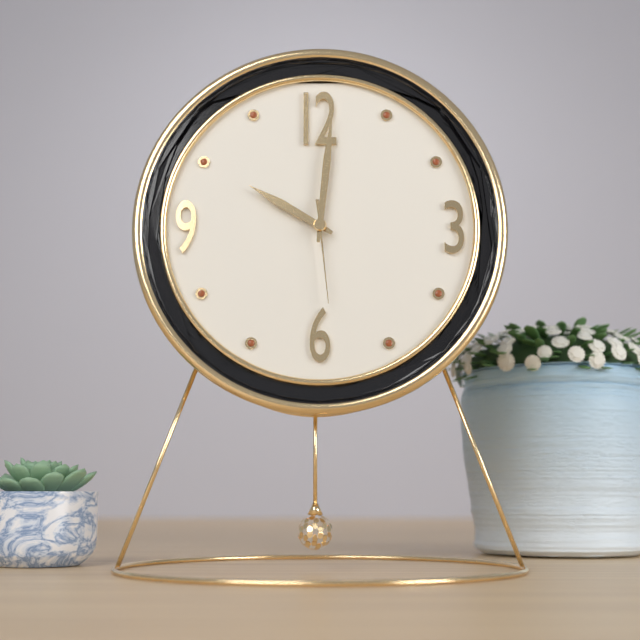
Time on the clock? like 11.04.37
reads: 10.01.29
